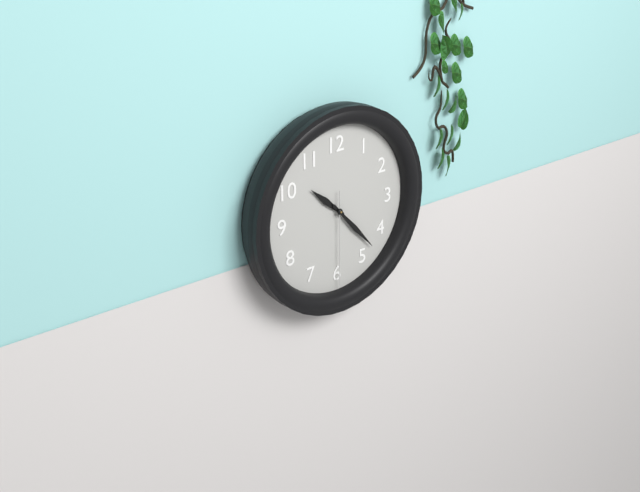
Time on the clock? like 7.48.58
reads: 10.23.30
